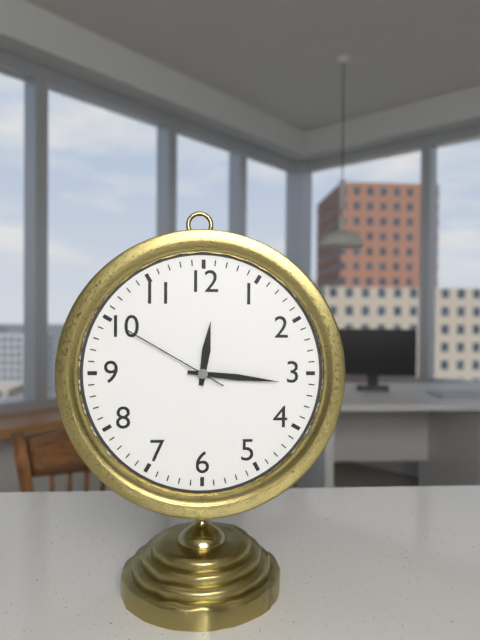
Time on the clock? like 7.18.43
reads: 12.16.50
